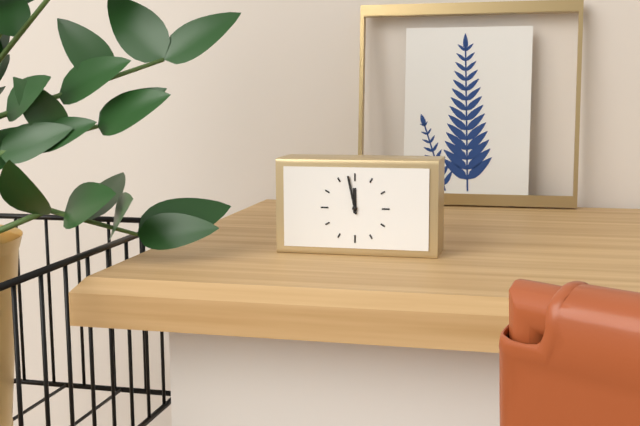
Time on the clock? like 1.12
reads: 11.58
